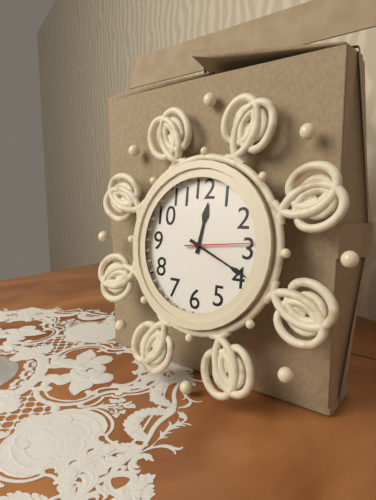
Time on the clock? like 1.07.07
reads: 12.19.14
